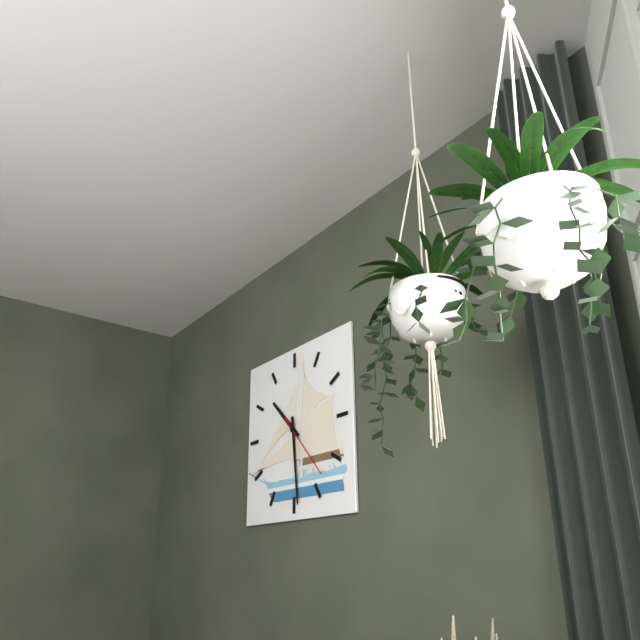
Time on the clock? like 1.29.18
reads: 10.29.23
